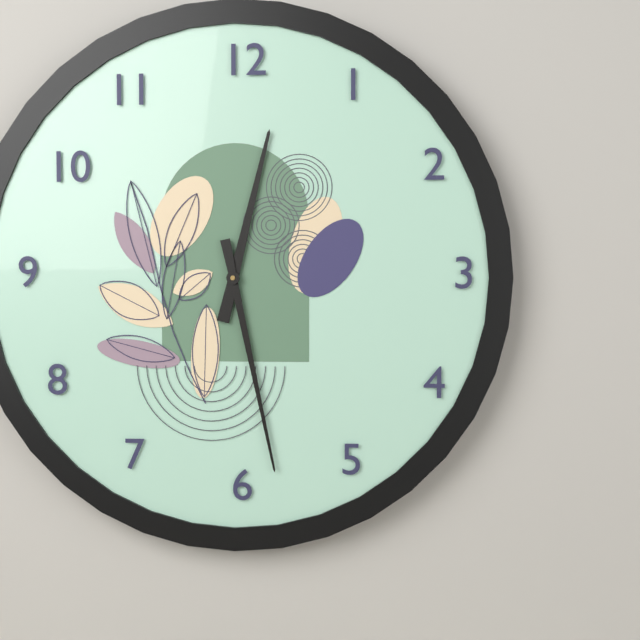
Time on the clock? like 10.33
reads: 12.28
